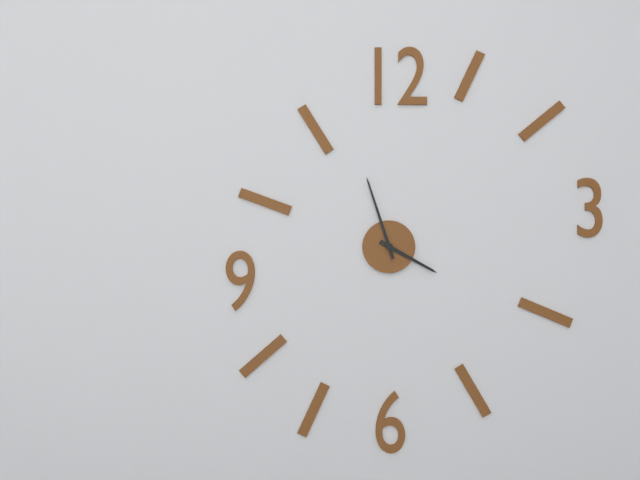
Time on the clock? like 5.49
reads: 3.57
